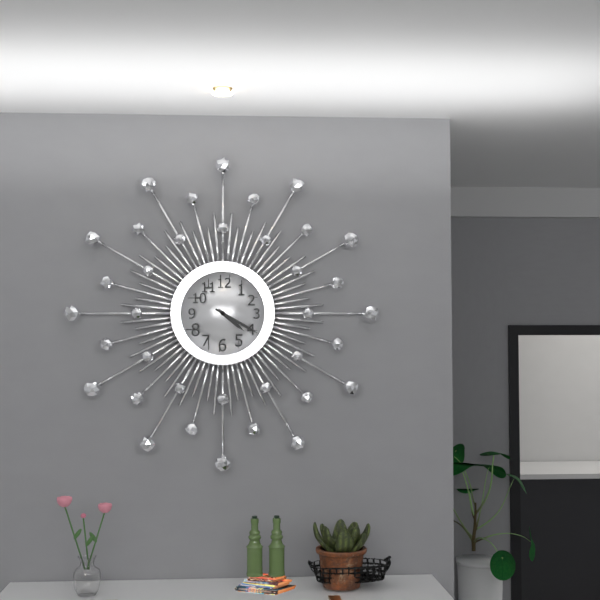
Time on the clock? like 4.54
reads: 4.20
